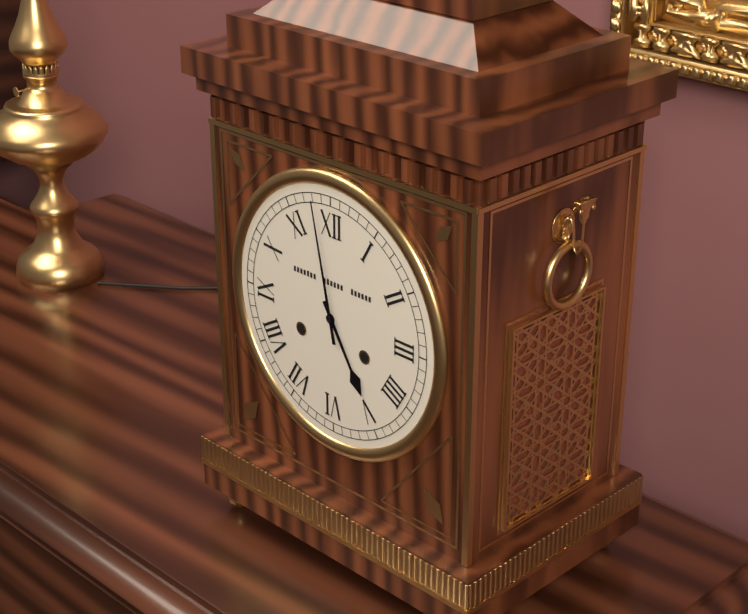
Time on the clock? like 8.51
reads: 4.58
